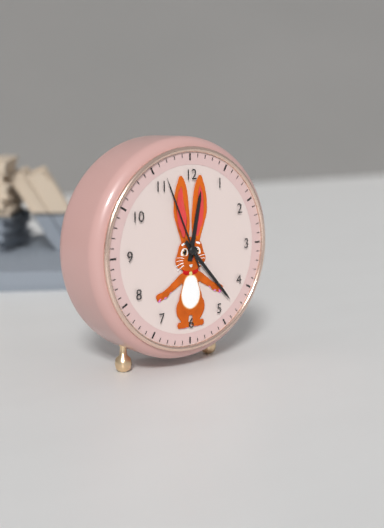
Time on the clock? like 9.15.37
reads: 12.23.56
